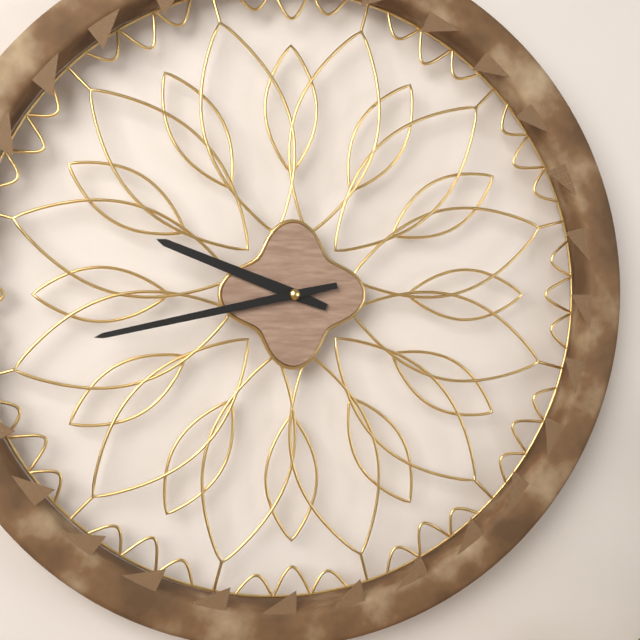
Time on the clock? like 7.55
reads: 9.43
